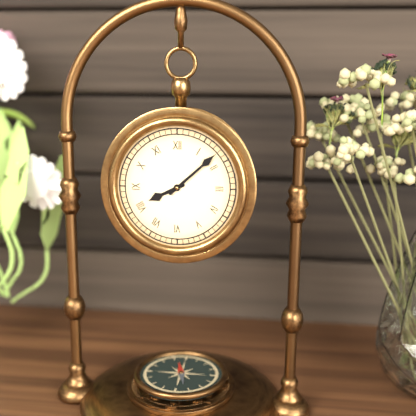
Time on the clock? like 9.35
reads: 8.08
